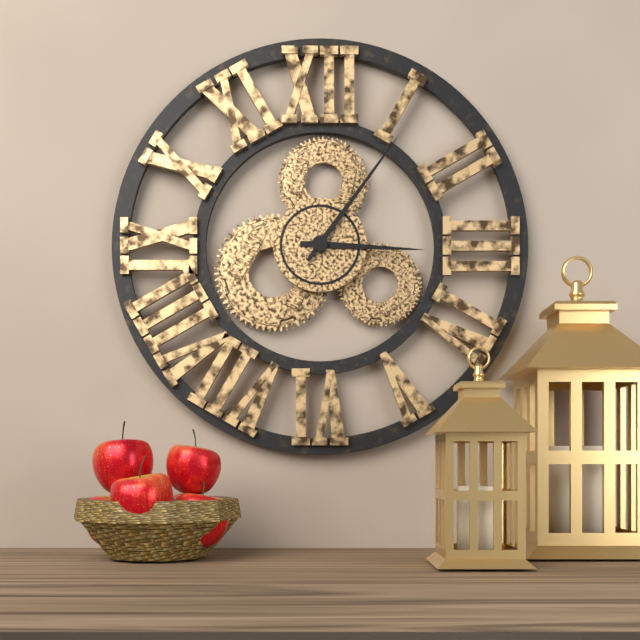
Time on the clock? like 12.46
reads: 3.06
